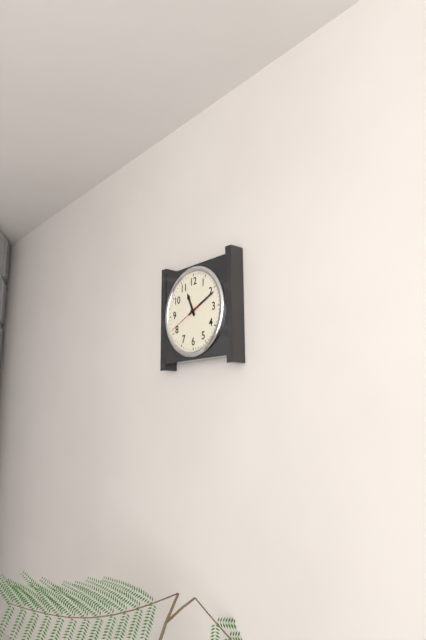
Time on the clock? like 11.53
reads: 11.11
